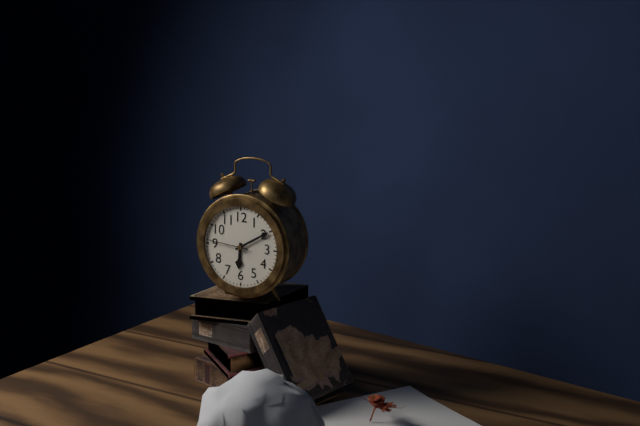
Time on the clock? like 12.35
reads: 6.10
